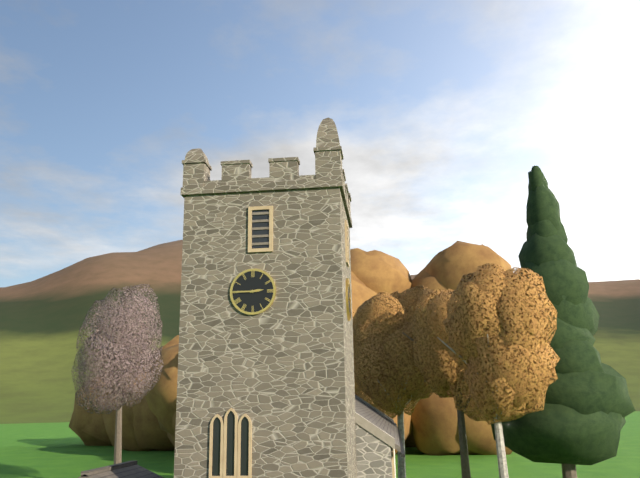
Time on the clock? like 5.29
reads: 2.45
